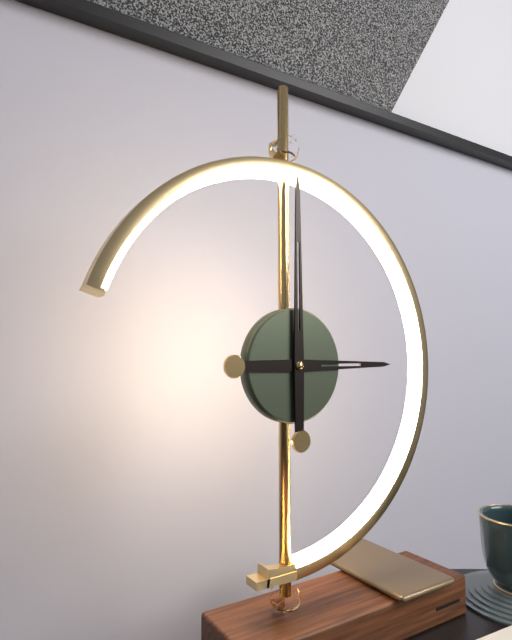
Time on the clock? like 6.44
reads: 3.00
